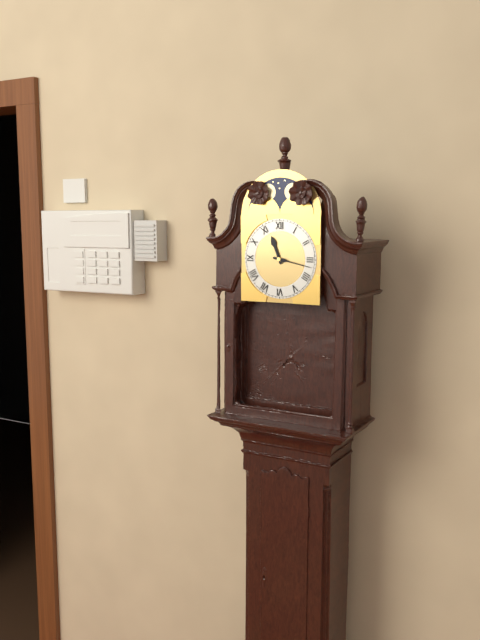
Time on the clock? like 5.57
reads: 11.17
